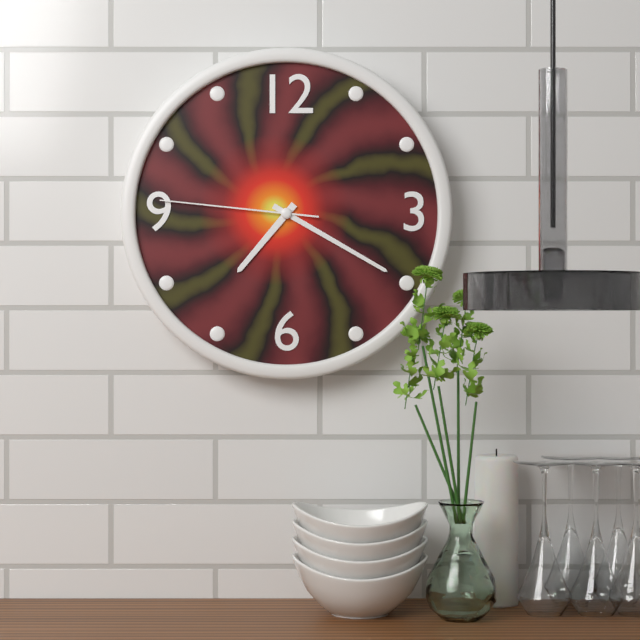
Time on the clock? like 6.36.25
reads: 7.20.46
